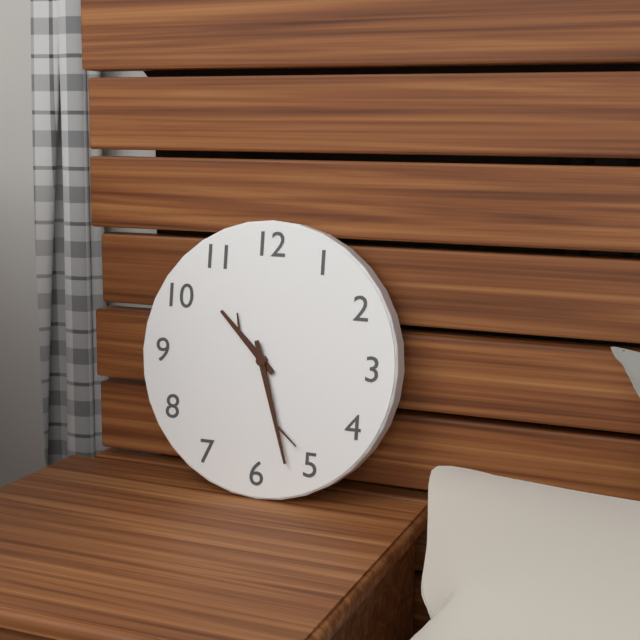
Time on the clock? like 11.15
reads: 10.27
